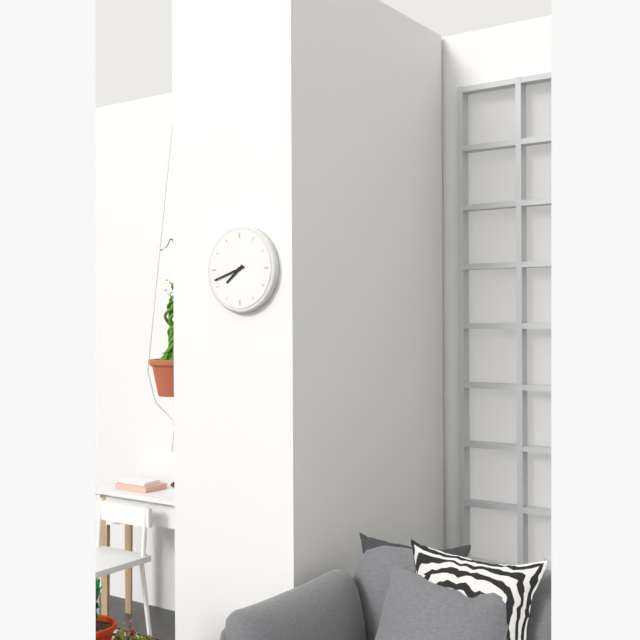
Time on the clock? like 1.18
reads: 7.42
